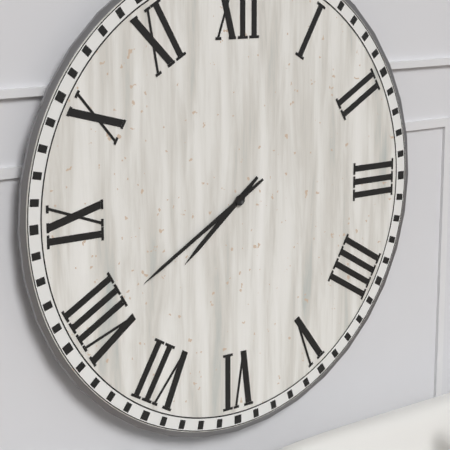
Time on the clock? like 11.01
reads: 7.40
